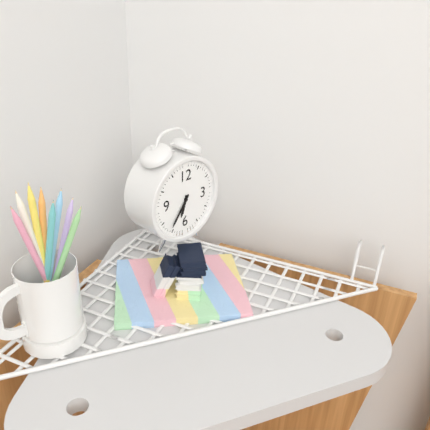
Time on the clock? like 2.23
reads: 6.36
